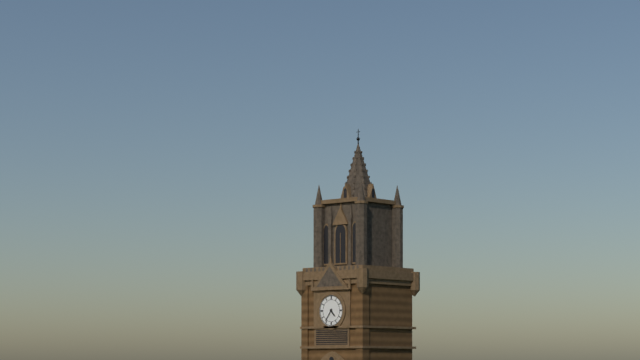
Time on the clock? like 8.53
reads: 4.36
